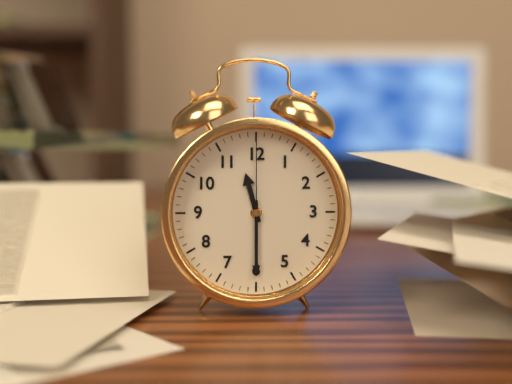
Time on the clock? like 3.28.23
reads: 11.30.00
